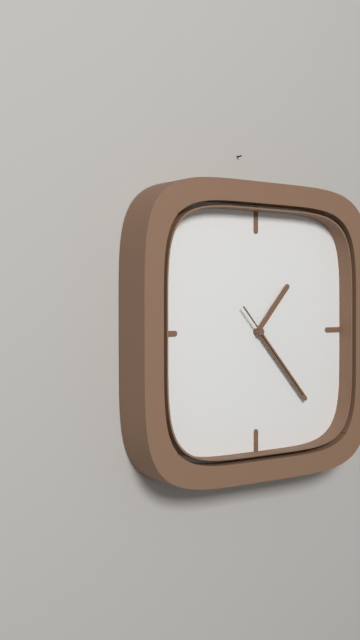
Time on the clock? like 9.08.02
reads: 1.23.23
